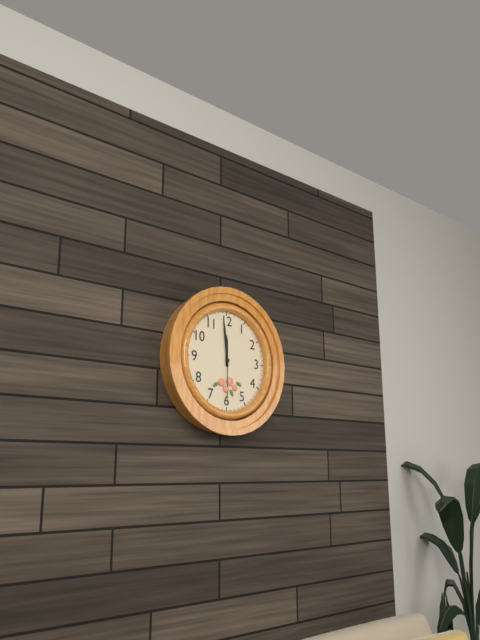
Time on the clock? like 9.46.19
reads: 11.59.30
